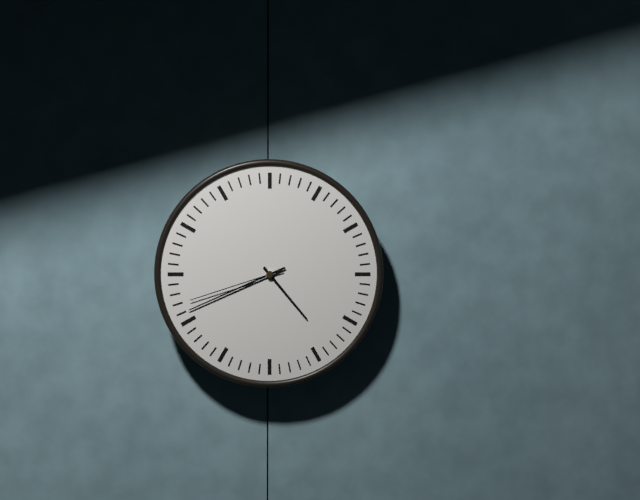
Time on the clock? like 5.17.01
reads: 4.41.42
